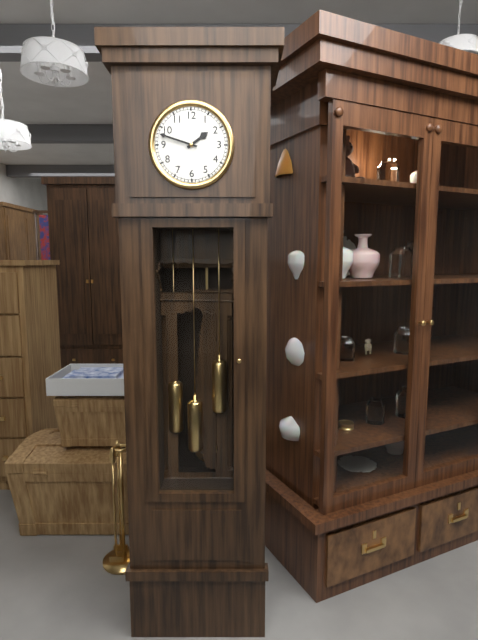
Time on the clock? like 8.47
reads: 1.48
